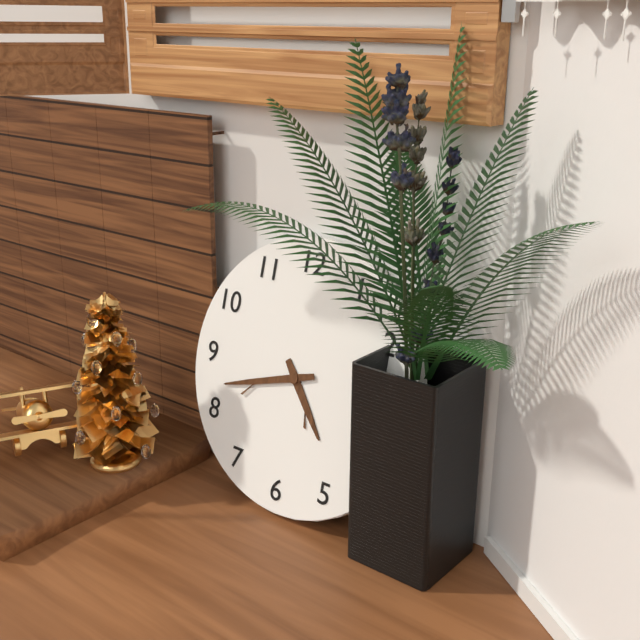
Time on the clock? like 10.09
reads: 4.42
